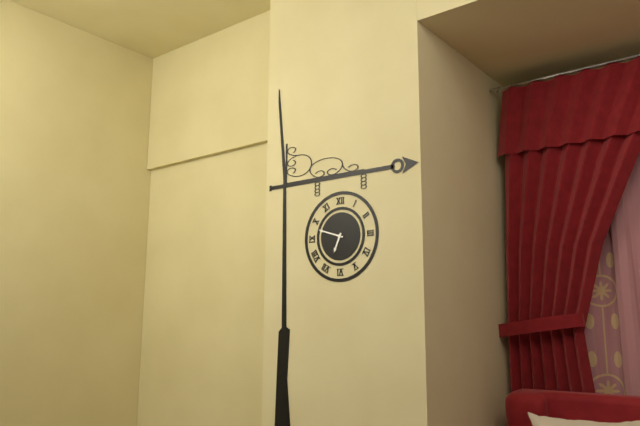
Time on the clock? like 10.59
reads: 6.48
